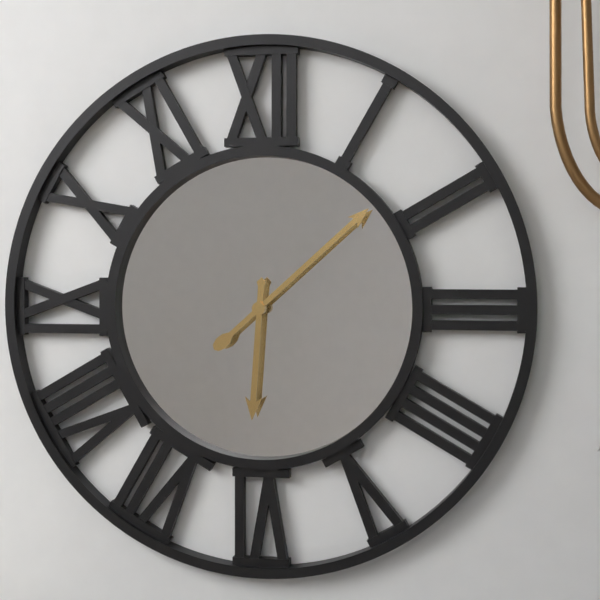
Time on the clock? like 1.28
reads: 6.08
